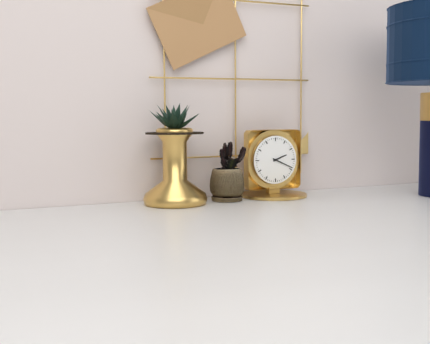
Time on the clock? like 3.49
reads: 2.19
